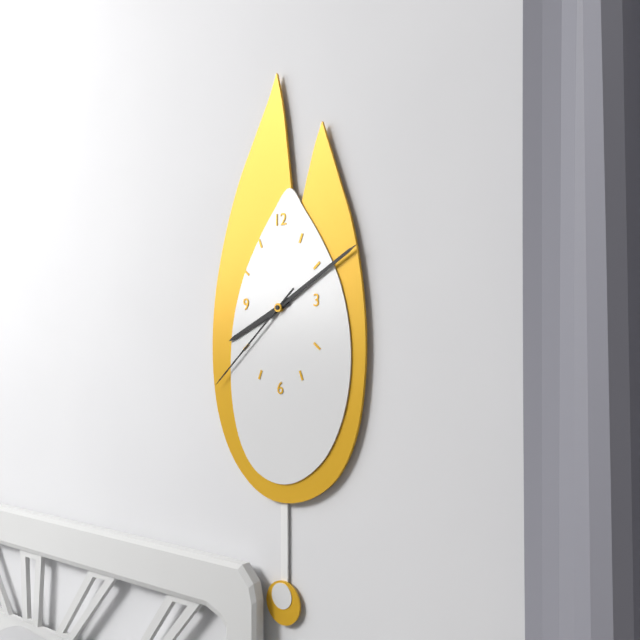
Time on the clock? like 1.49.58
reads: 8.10.38
